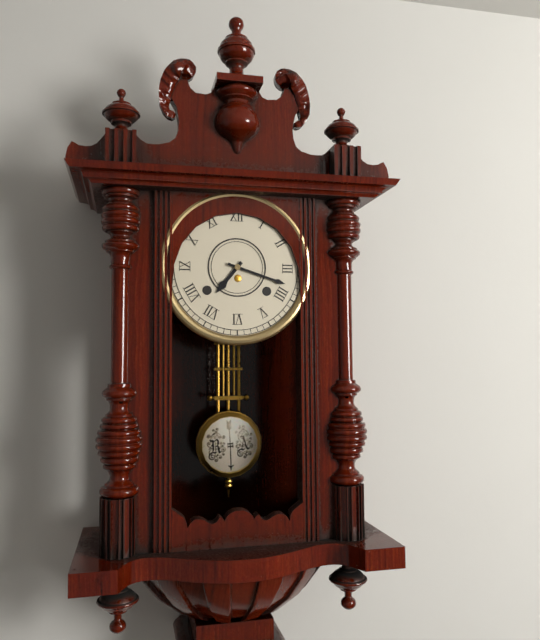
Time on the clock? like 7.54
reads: 7.18
